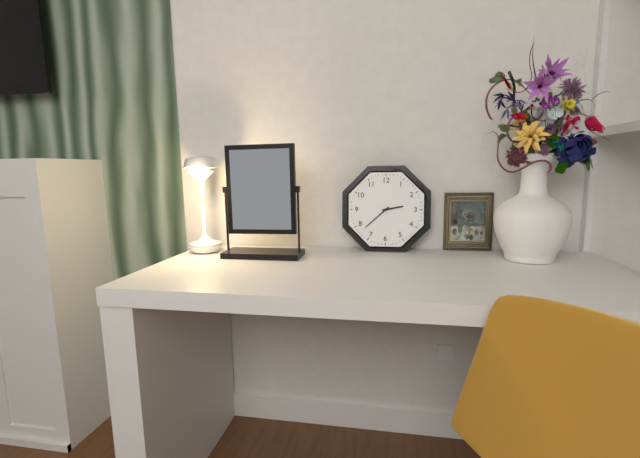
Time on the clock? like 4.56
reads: 2.38
